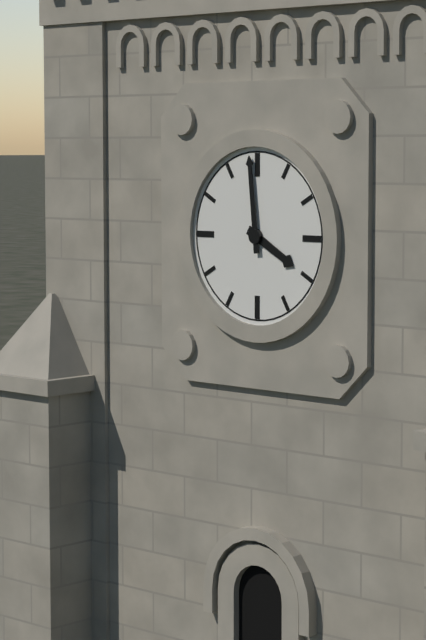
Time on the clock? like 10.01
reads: 3.59
